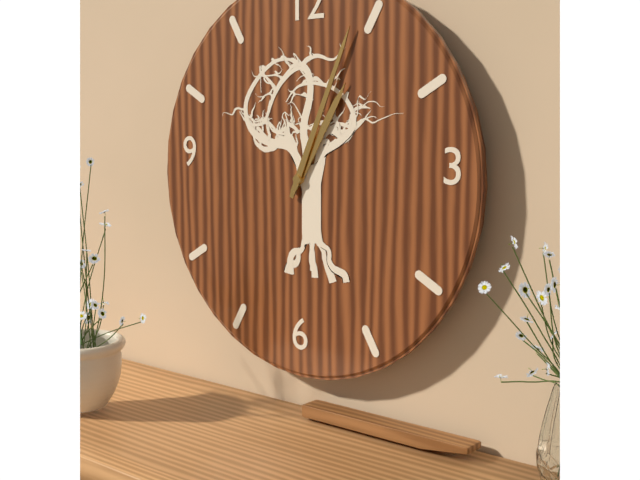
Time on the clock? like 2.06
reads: 1.04
